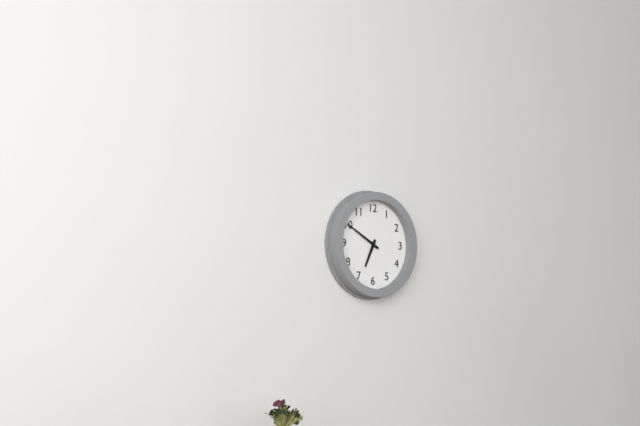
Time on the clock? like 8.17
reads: 6.50
